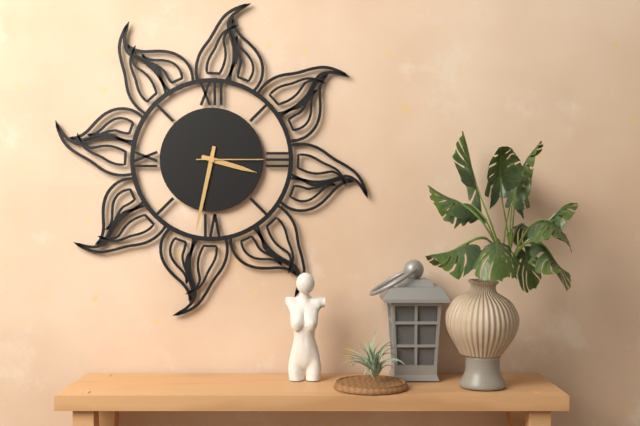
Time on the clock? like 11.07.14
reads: 3.32.15
